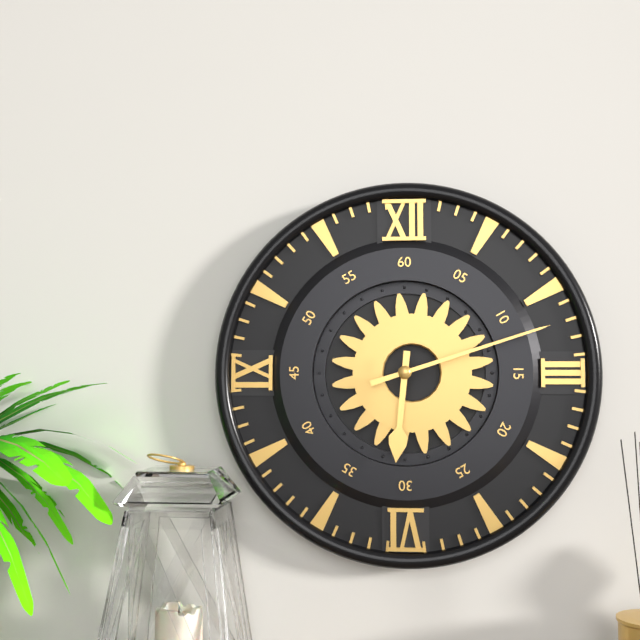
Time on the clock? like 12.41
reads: 6.12
